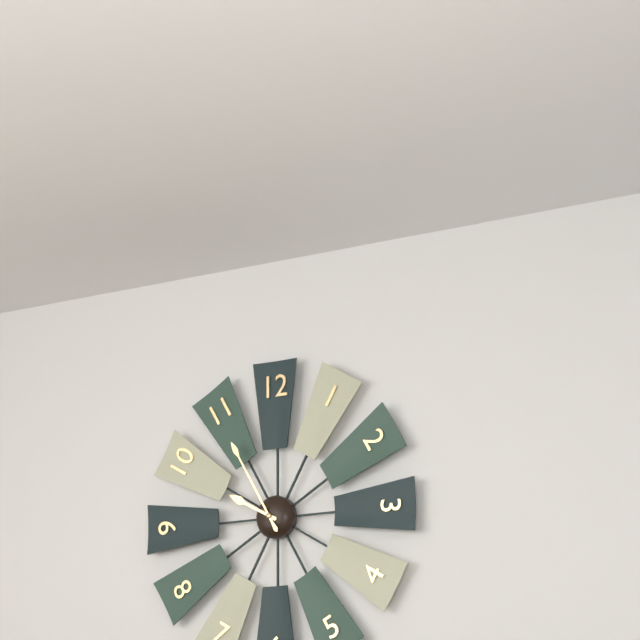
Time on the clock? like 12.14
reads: 9.55
